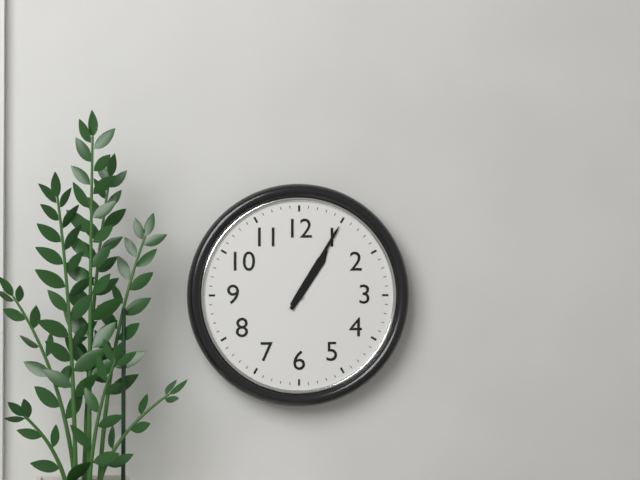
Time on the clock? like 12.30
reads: 1.05
